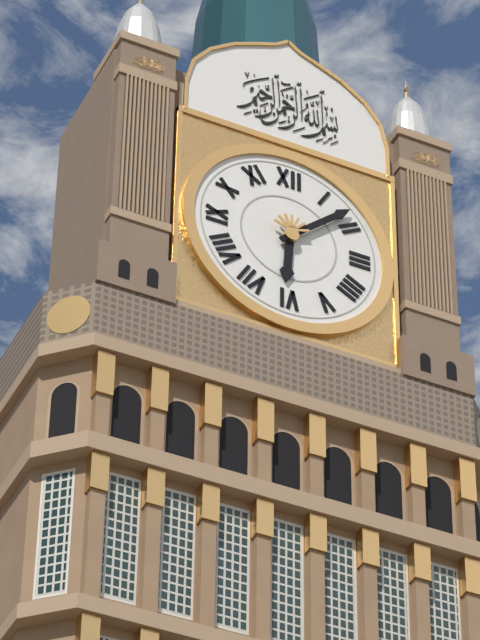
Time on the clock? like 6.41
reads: 6.08
